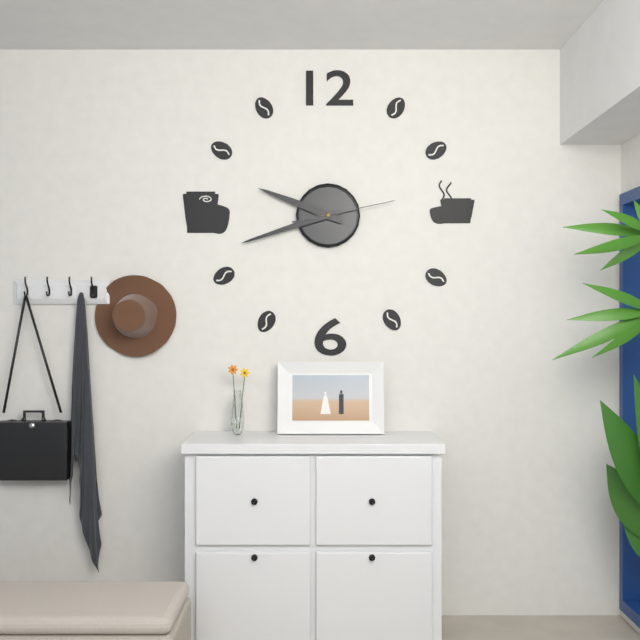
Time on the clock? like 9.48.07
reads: 9.42.13
